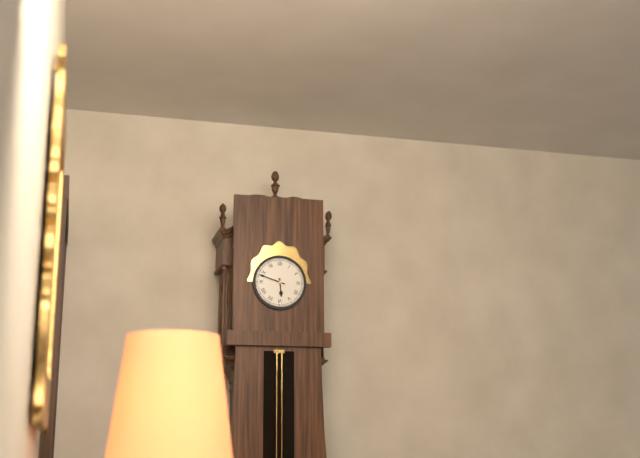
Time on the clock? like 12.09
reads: 5.48
